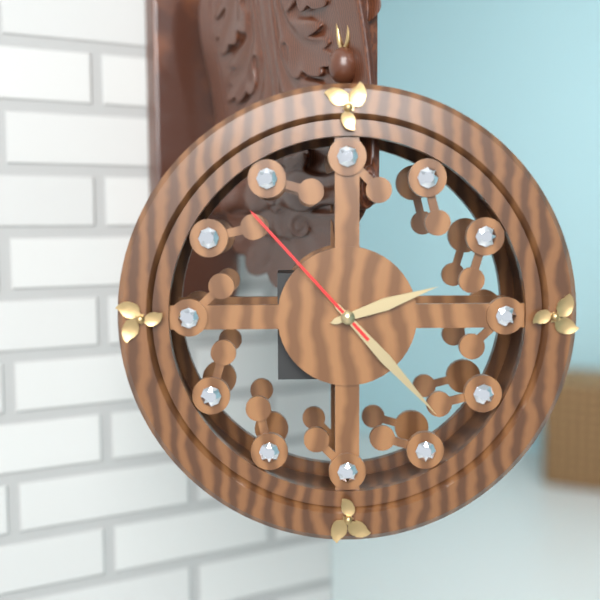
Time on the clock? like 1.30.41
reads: 2.23.53
